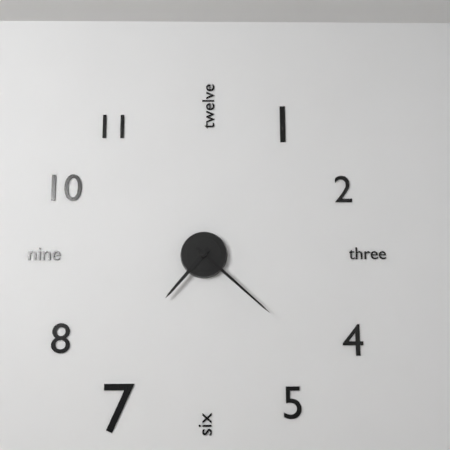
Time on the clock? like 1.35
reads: 7.22
